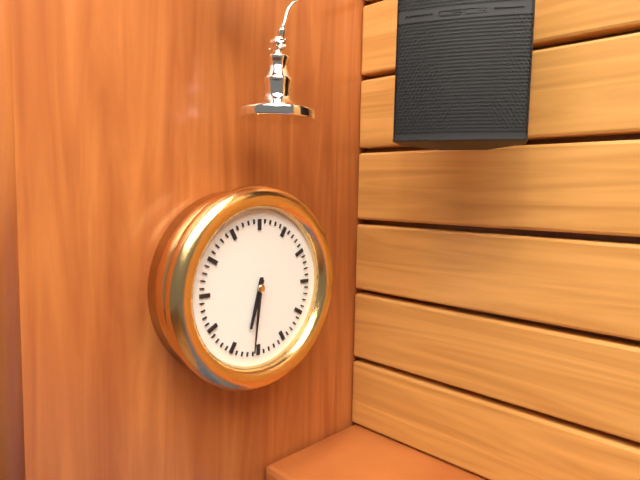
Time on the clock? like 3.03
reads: 6.31
